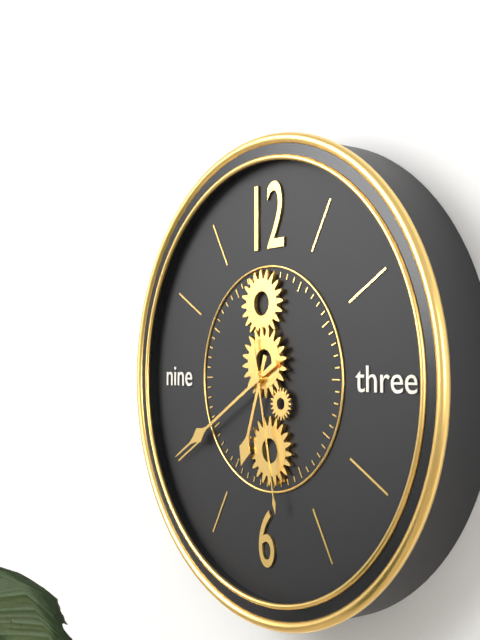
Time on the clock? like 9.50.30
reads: 6.40.28
